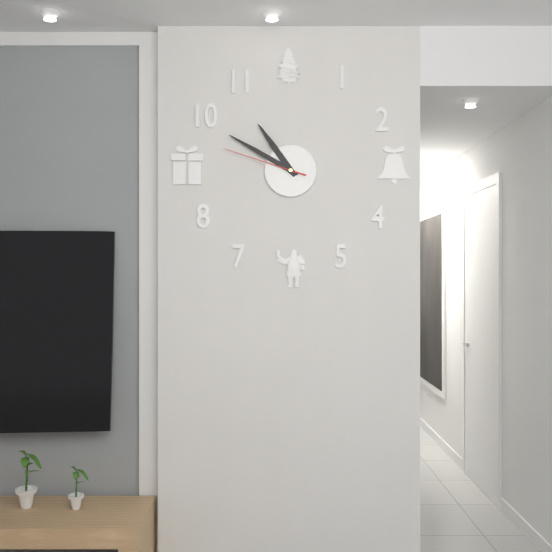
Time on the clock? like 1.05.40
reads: 10.50.48
